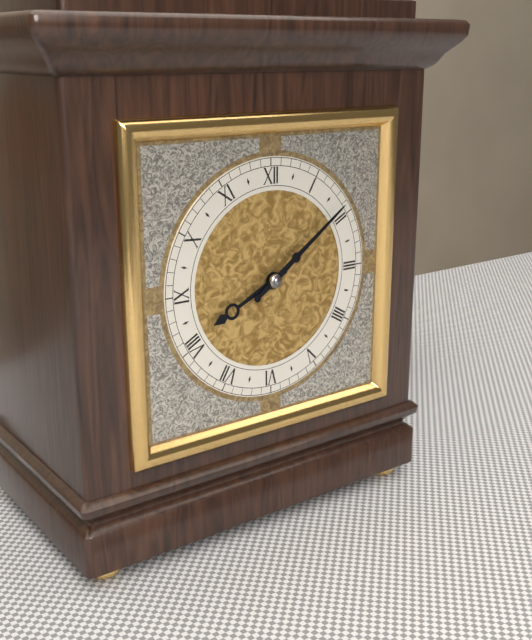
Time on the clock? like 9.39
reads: 8.09
